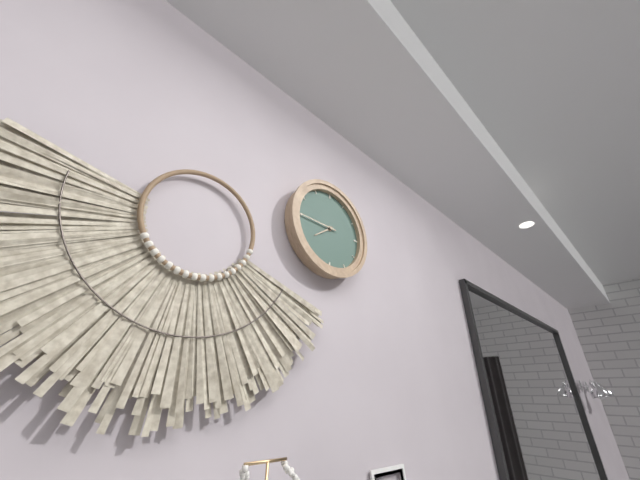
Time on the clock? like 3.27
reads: 7.45
